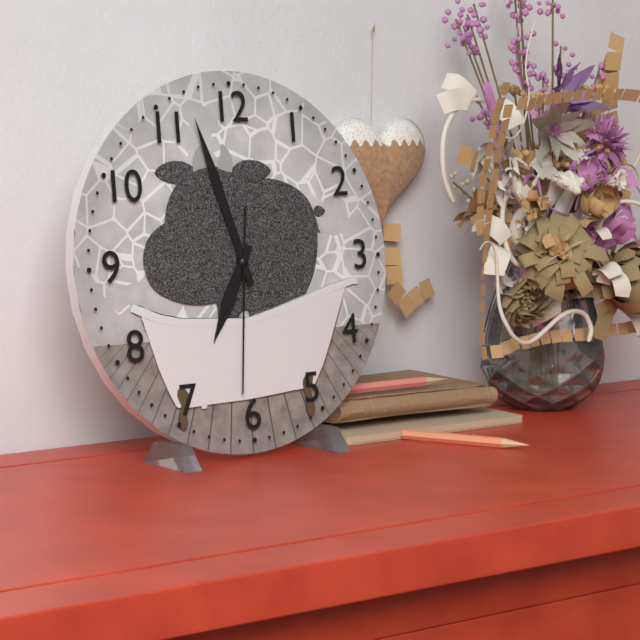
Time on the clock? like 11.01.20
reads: 6.57.31
